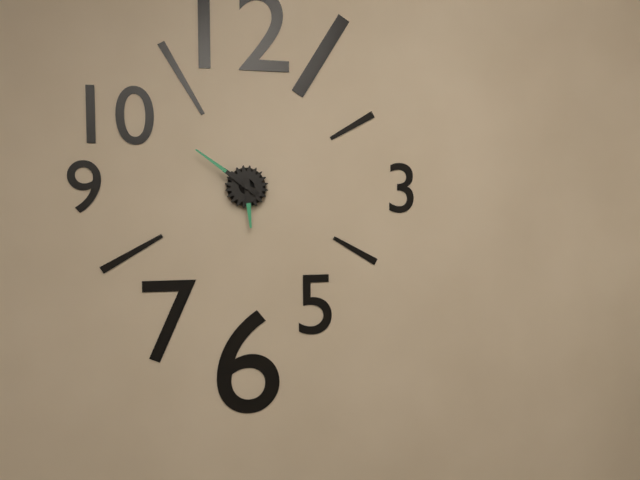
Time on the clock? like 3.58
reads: 5.51
